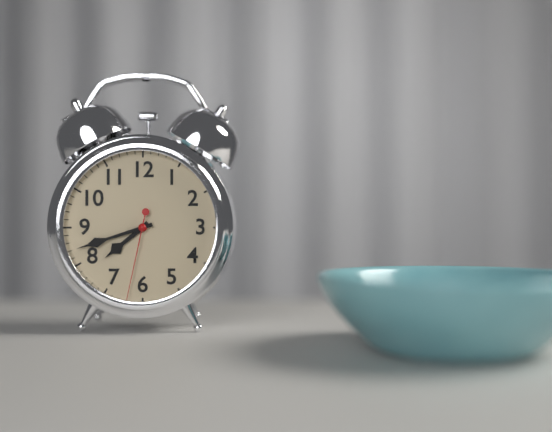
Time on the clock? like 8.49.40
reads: 7.42.32
